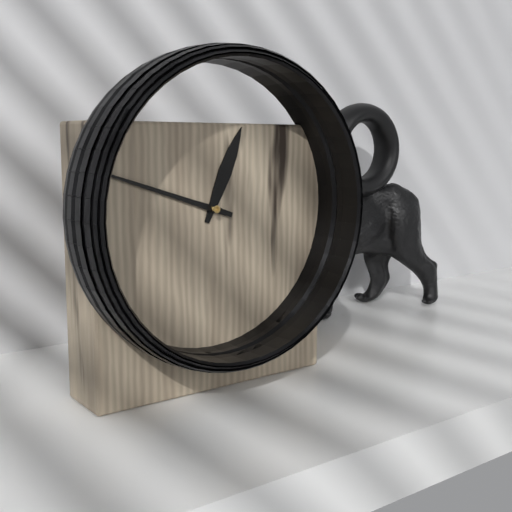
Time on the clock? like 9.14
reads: 12.48
